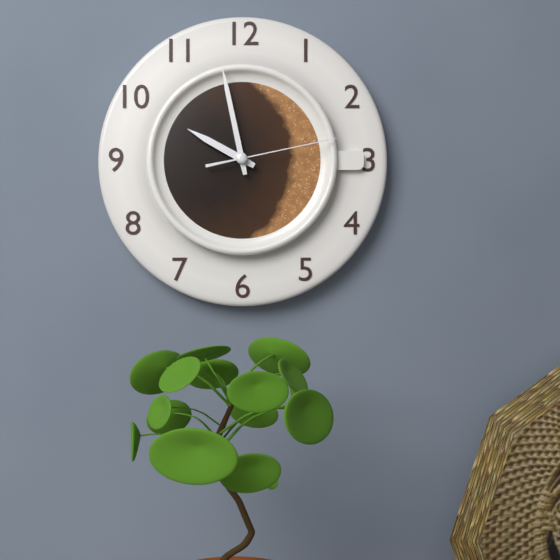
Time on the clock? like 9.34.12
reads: 9.58.13
